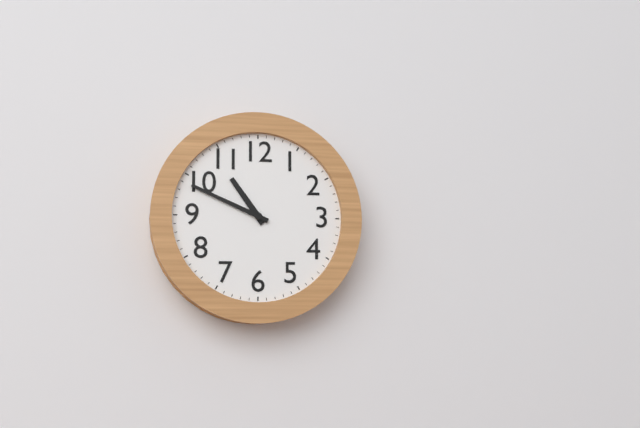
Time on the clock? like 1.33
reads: 10.49
